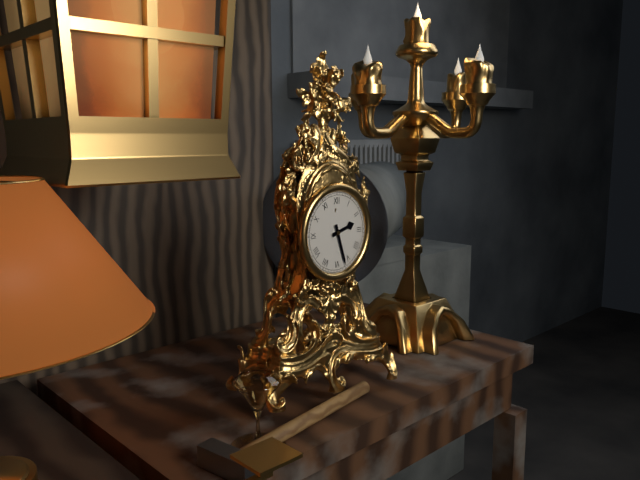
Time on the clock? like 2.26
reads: 2.27
